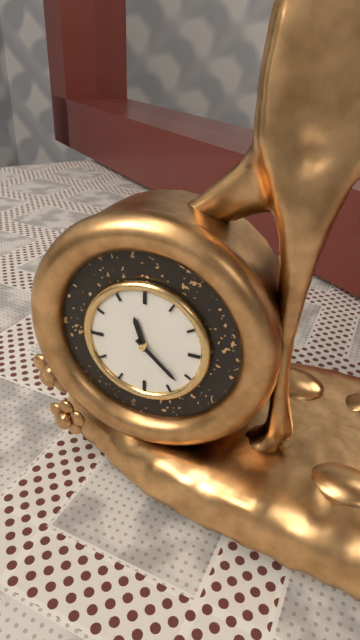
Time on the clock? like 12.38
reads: 11.22
